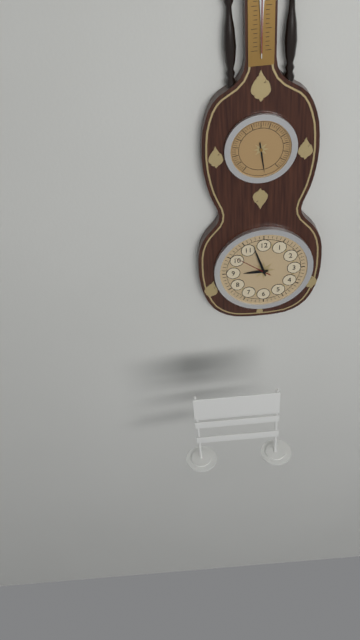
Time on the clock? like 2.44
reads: 8.57
